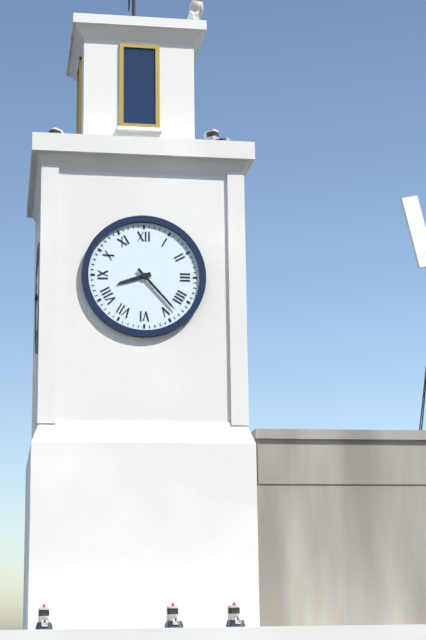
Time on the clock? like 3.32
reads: 8.23
